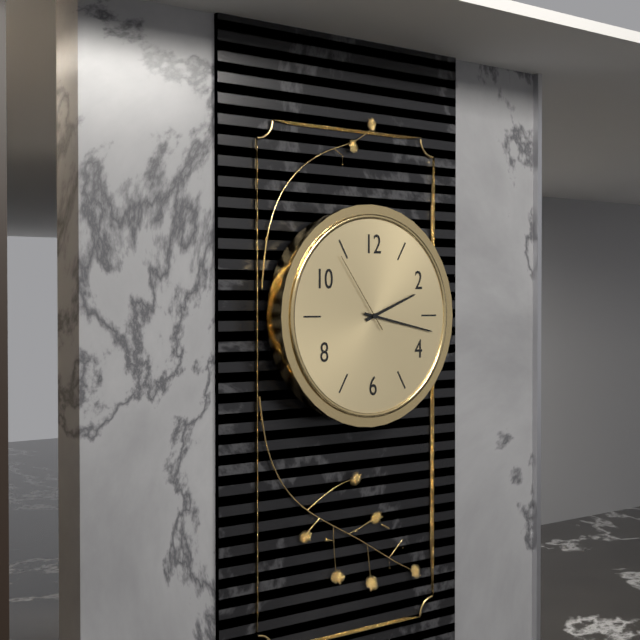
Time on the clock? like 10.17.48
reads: 2.17.54
